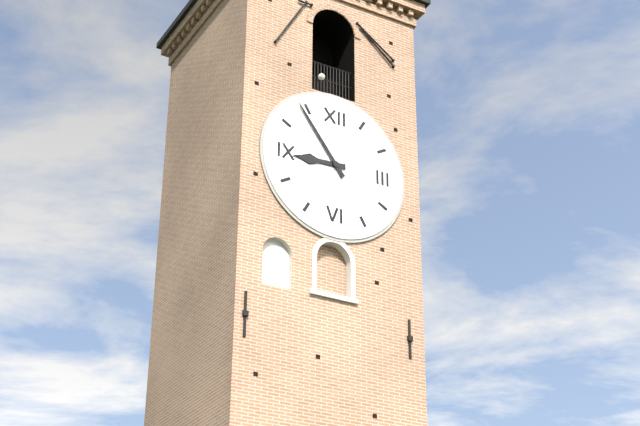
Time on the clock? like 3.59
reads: 8.54
